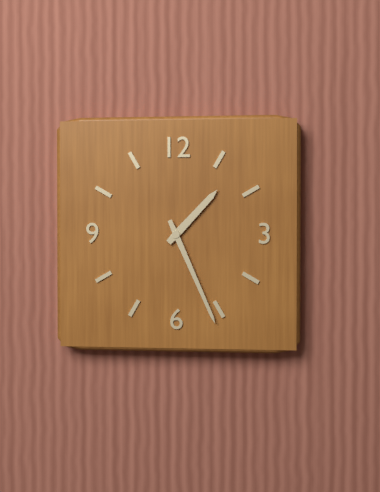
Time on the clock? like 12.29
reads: 1.26
